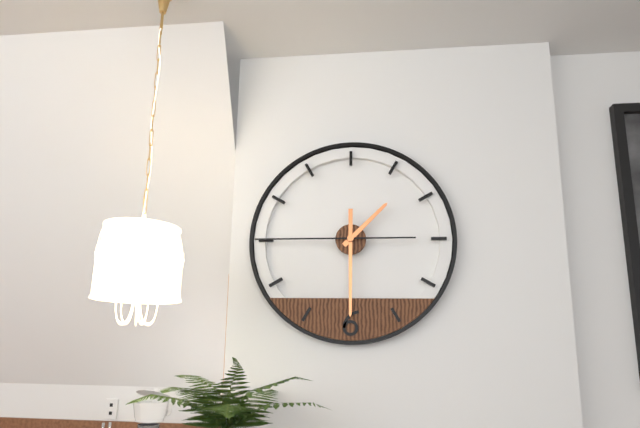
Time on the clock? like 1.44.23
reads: 1.30.45
